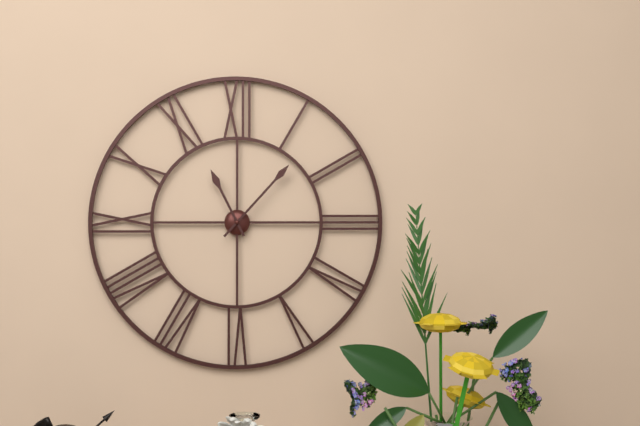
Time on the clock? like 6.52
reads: 11.07
